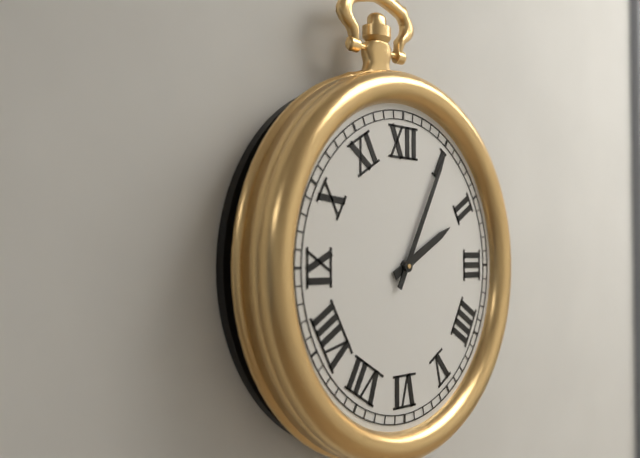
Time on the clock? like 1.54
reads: 2.05
